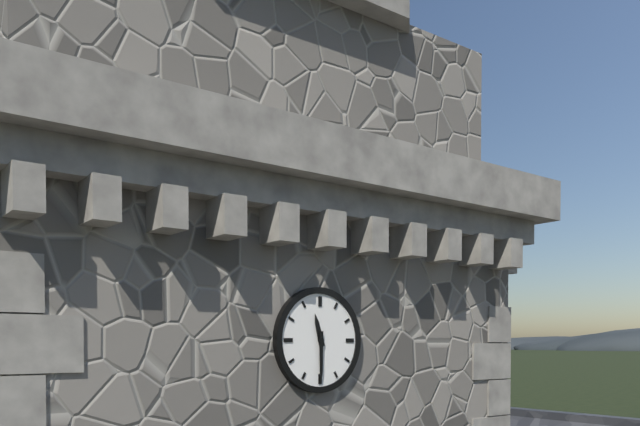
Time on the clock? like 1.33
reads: 11.30
